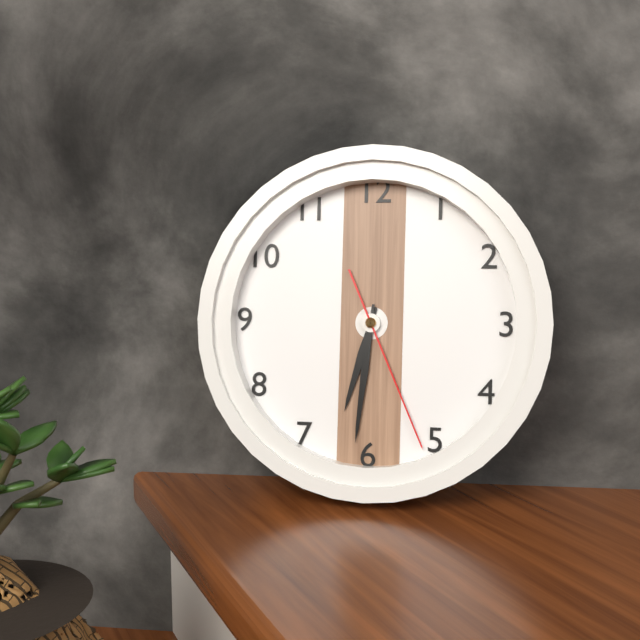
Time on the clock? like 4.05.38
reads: 6.31.26
